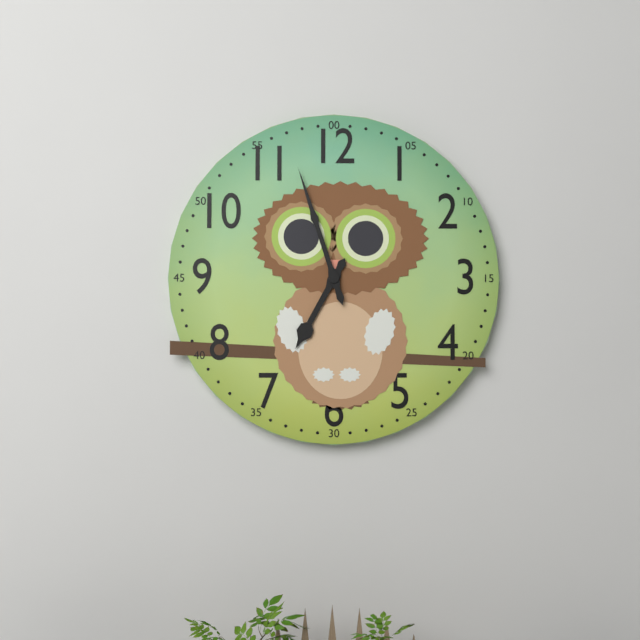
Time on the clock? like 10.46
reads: 6.57
